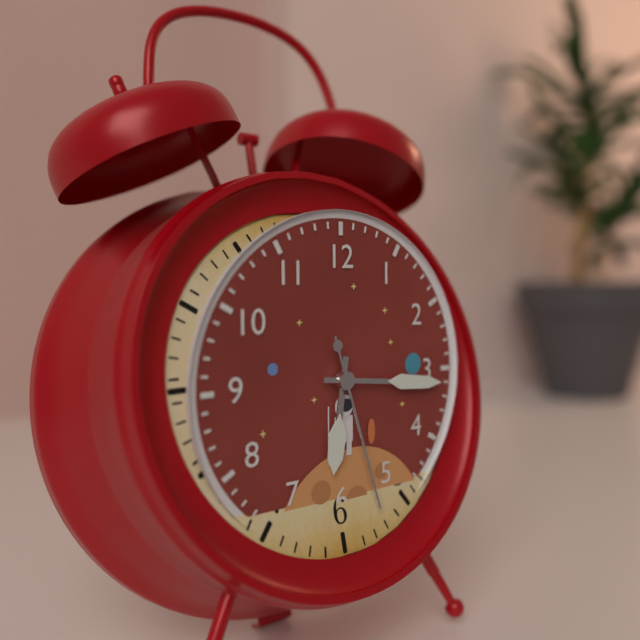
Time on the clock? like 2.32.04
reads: 6.16.27
